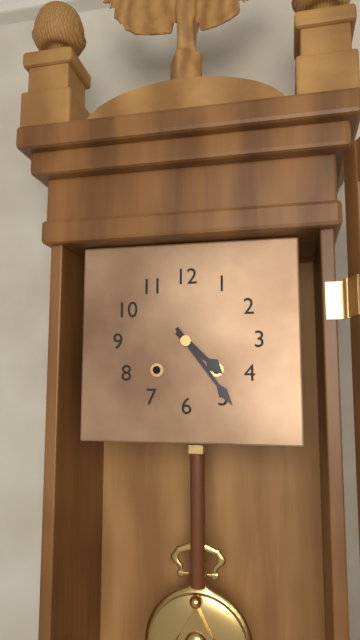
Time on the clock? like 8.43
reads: 4.24
